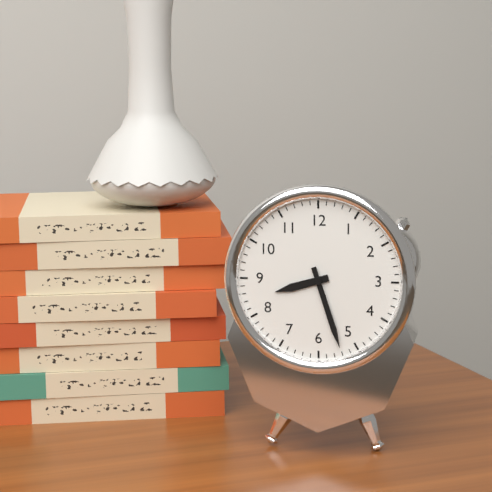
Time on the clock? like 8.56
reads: 8.27
